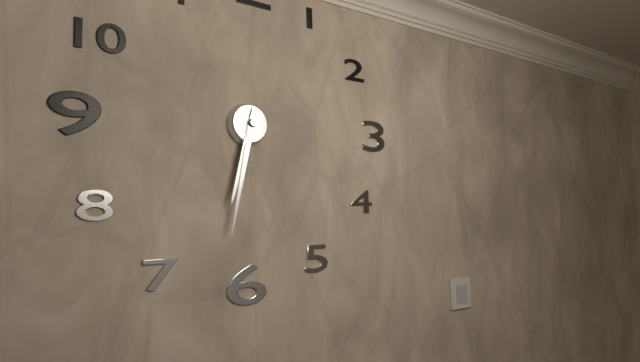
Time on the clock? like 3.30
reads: 6.32
